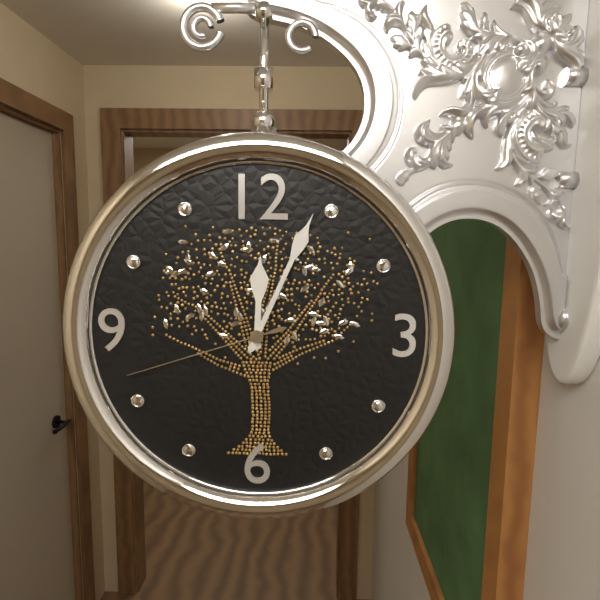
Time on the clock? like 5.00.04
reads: 12.04.42
